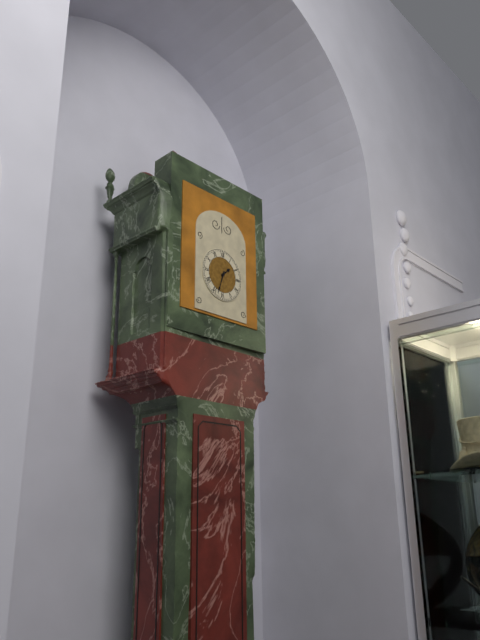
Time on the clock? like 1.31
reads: 1.33
